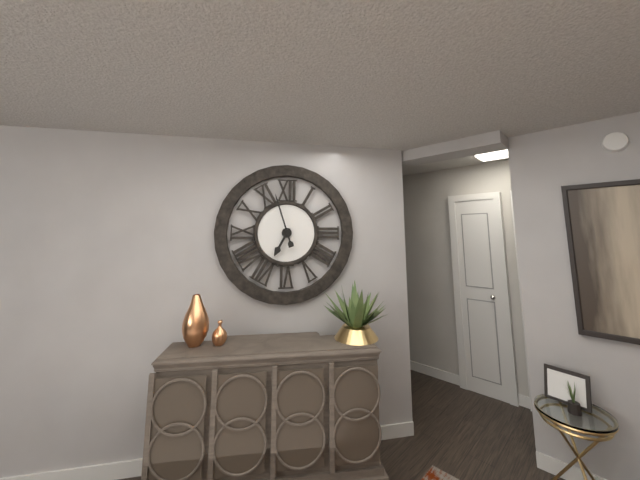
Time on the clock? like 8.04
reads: 6.57
